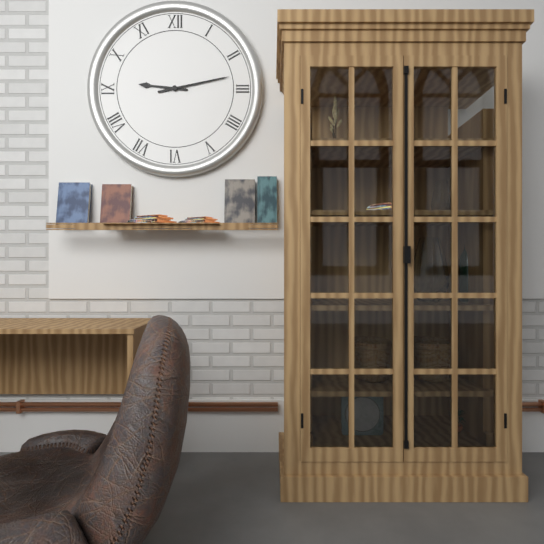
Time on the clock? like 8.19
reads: 9.13
